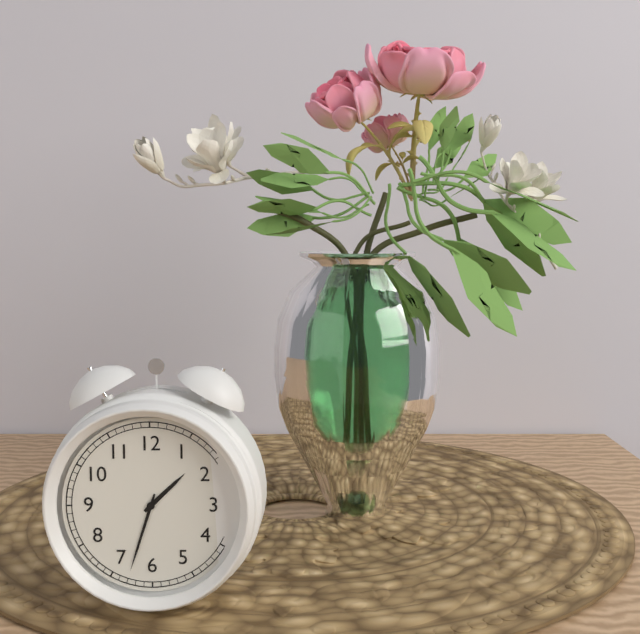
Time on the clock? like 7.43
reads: 1.33
